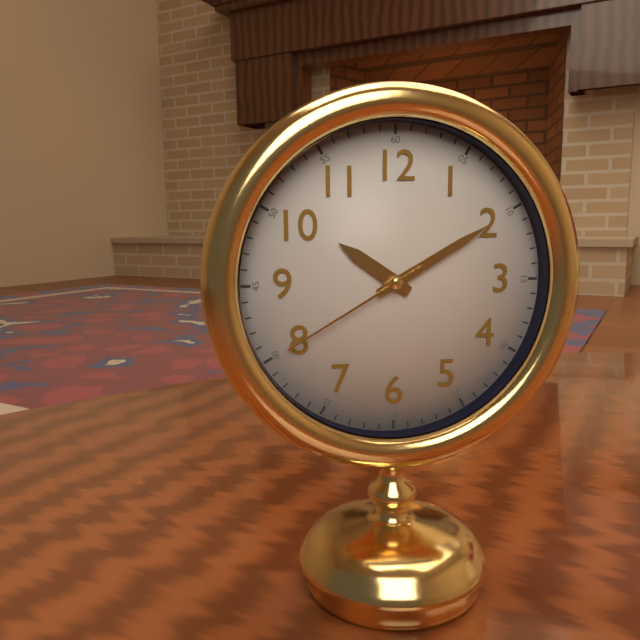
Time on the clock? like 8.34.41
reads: 10.10.40
